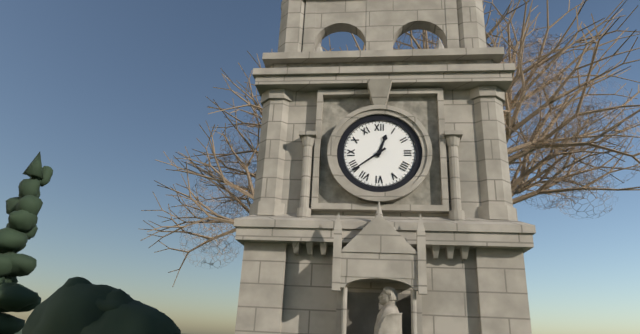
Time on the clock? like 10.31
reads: 12.39
